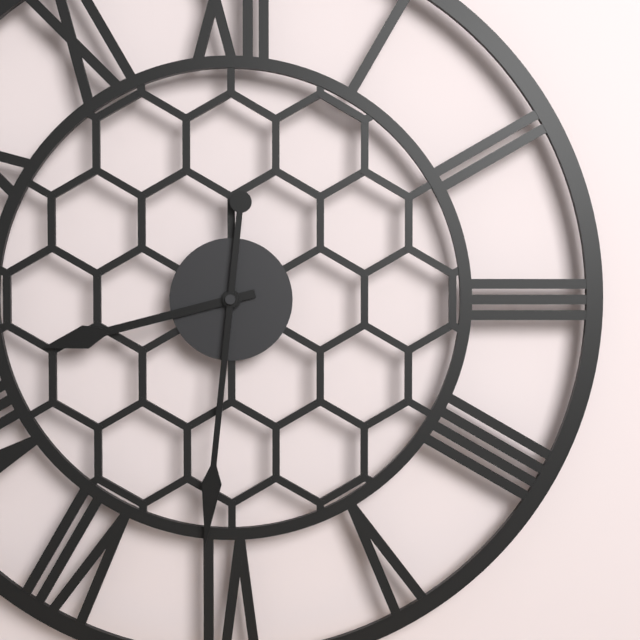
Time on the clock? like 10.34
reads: 8.31
